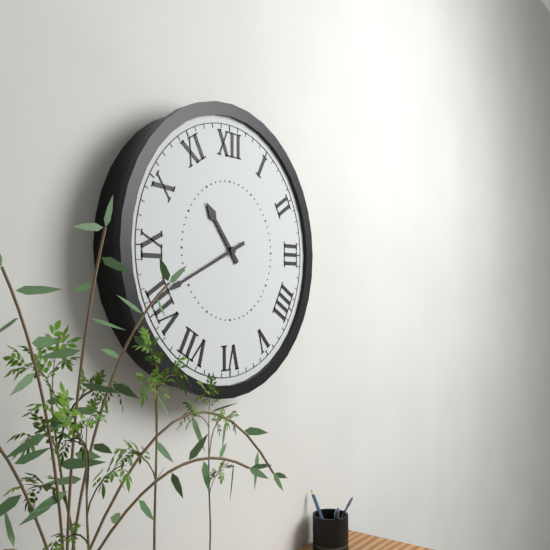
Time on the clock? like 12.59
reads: 10.41
